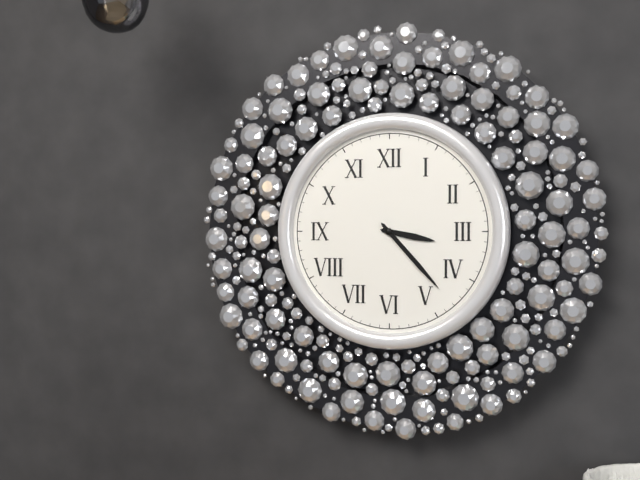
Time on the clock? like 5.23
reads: 3.23
